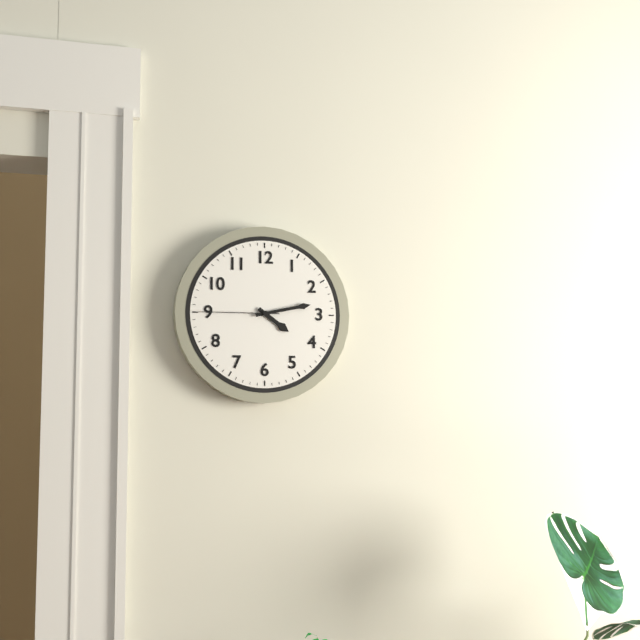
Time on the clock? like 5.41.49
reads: 4.13.45
